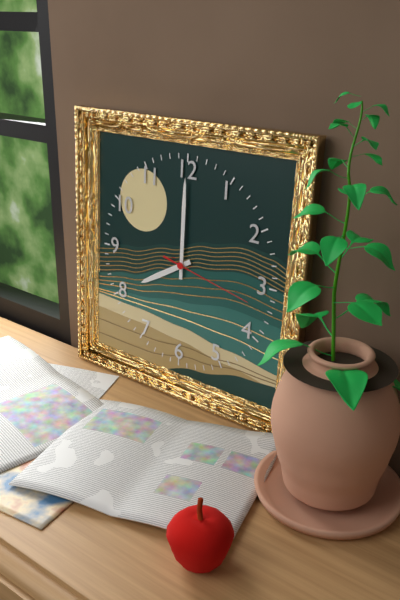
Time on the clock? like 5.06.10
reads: 8.00.17
